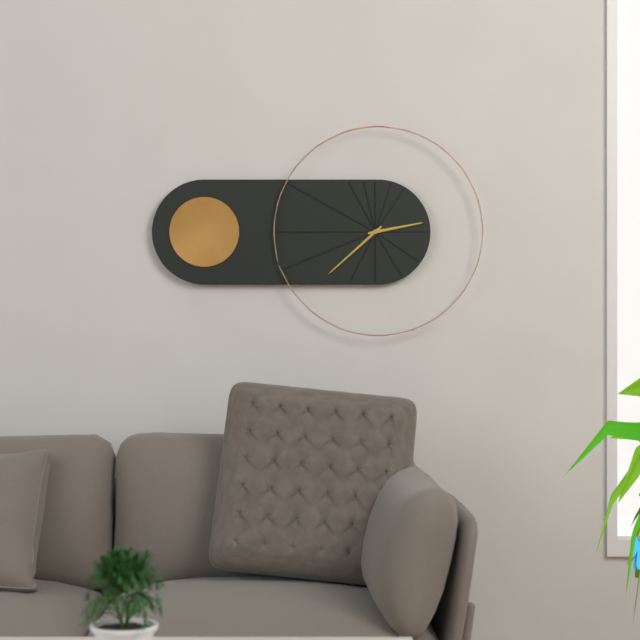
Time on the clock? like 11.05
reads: 2.38
